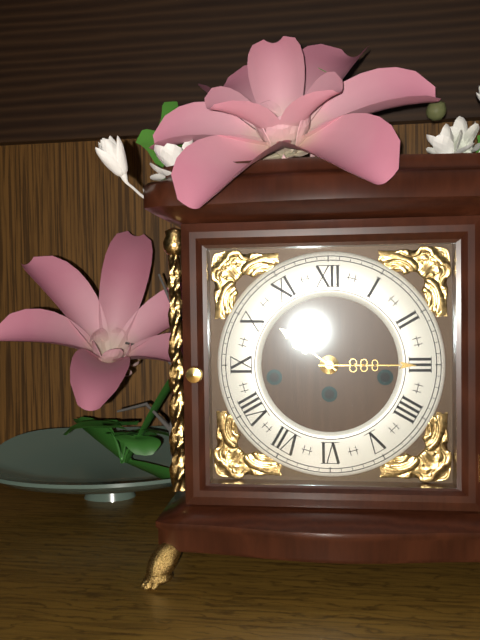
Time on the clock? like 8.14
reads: 10.15
